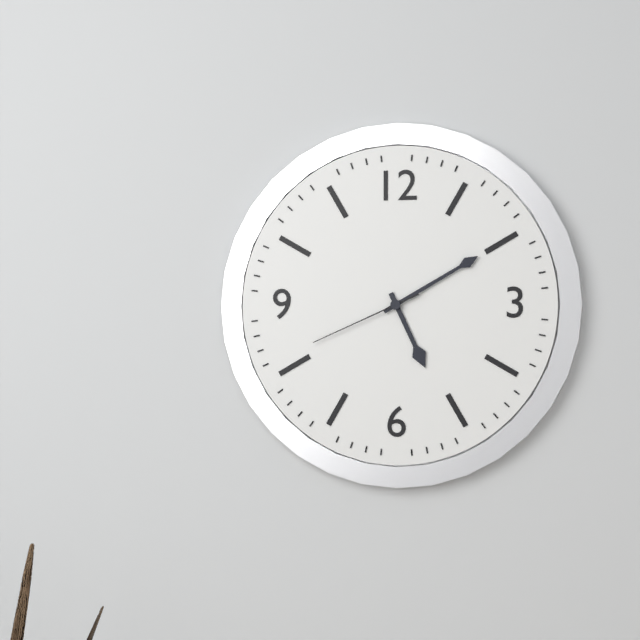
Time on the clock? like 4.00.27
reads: 5.10.41
